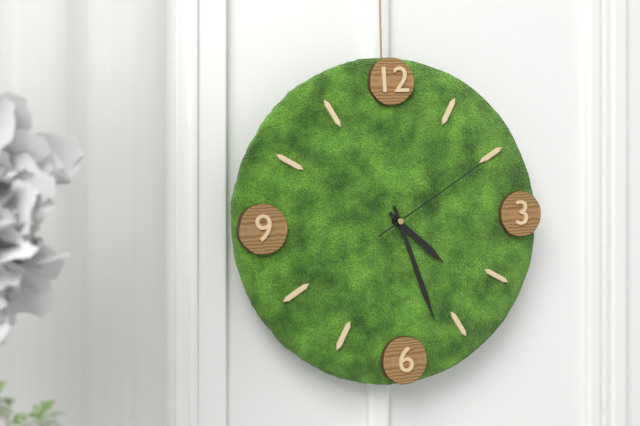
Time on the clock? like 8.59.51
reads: 4.27.10
